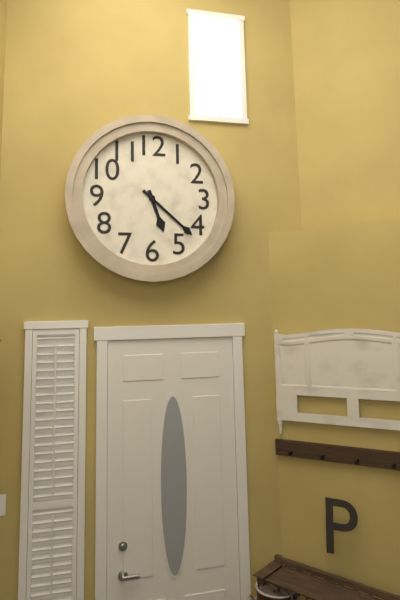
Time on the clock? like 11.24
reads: 5.22
